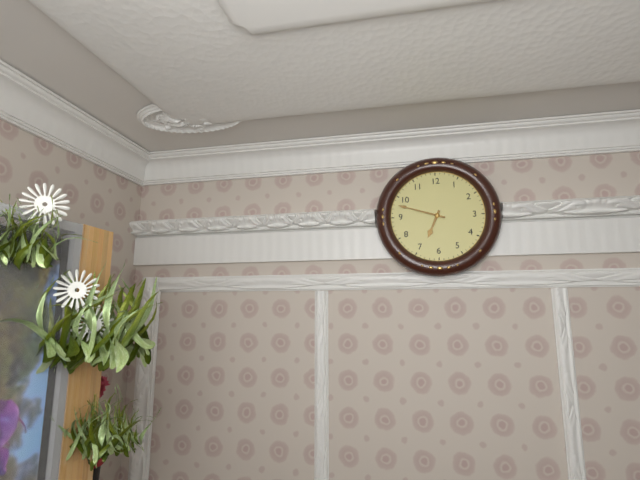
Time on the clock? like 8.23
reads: 6.48
